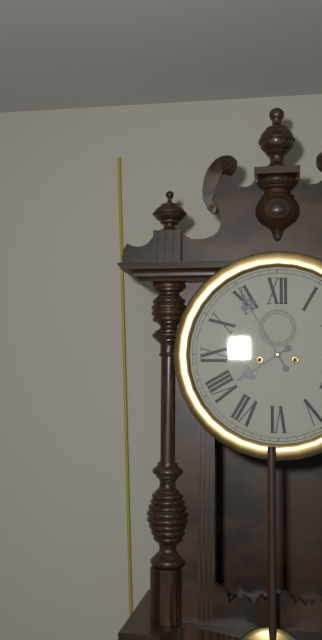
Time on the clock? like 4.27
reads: 7.55
